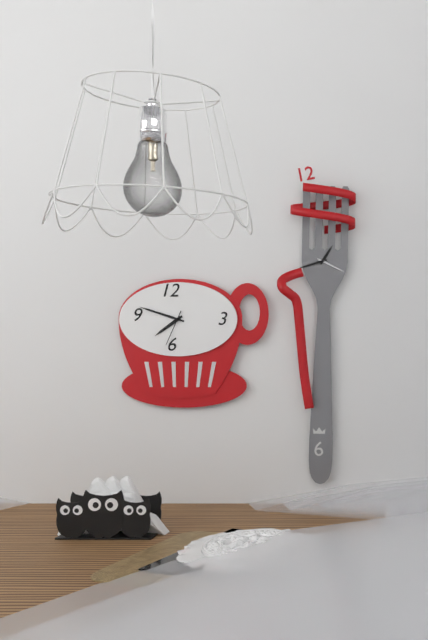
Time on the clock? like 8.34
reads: 7.48
